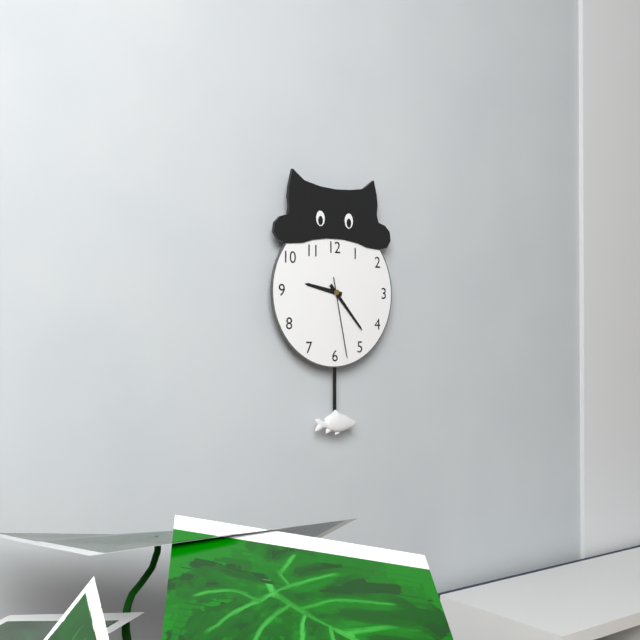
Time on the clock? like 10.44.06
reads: 9.23.28
